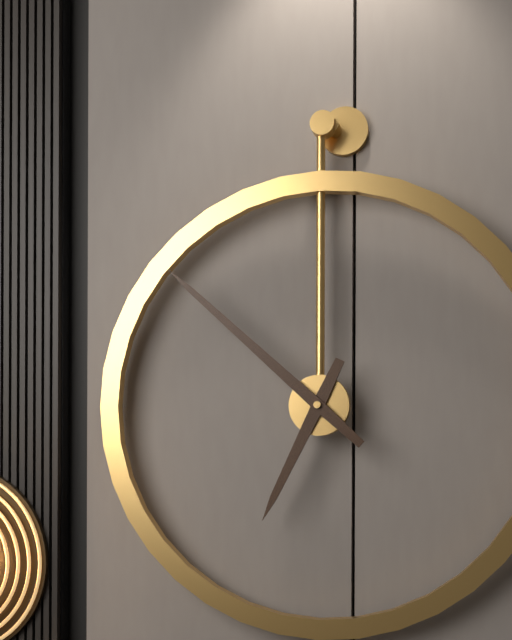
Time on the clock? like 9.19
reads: 6.52
